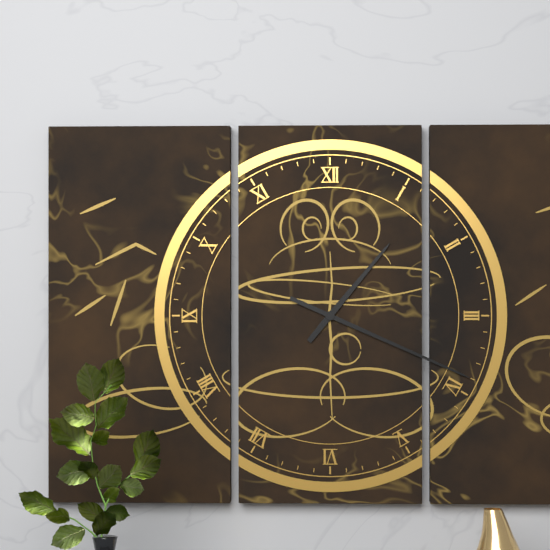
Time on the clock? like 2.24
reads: 1.19
